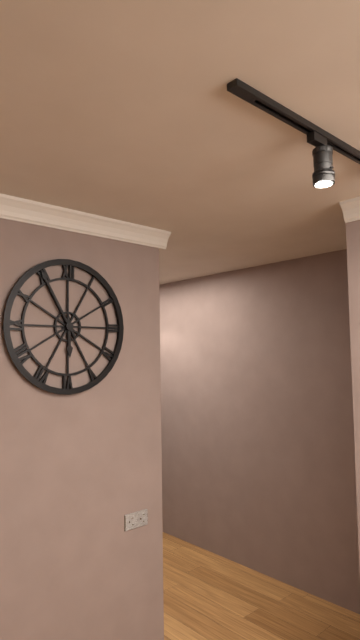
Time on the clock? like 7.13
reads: 5.55
